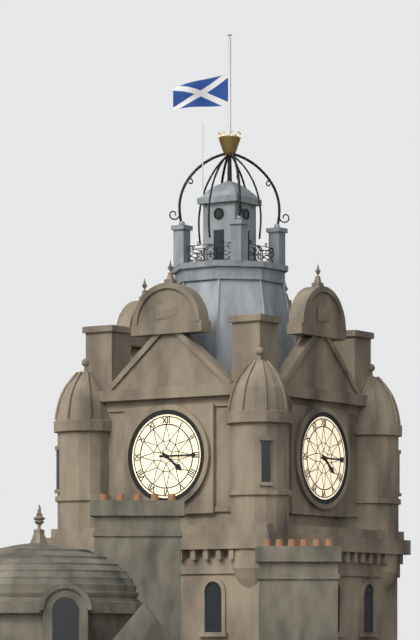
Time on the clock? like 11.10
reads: 4.15
